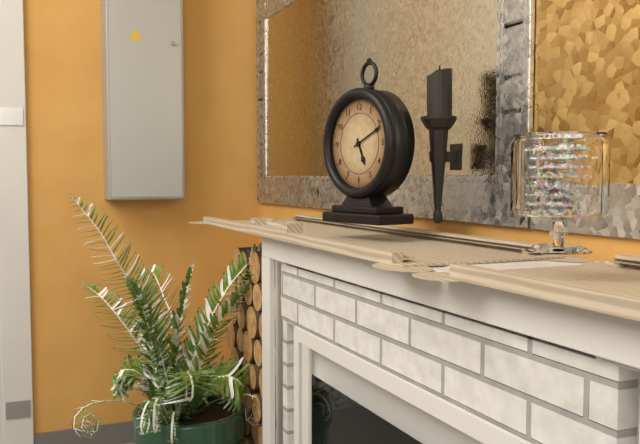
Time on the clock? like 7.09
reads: 5.11
